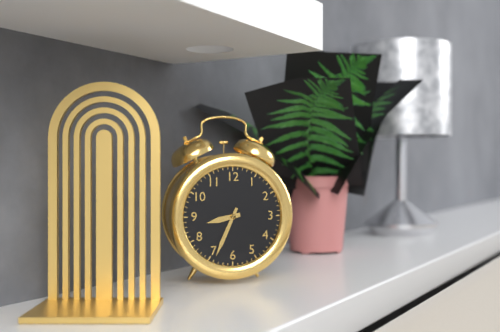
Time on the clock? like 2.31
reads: 8.34
